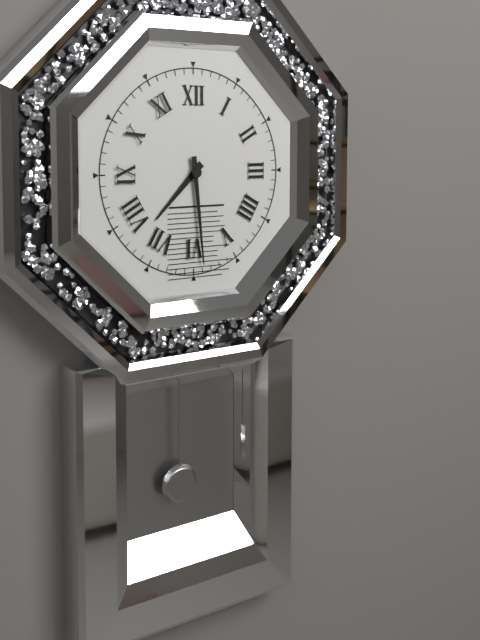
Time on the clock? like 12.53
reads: 7.29
